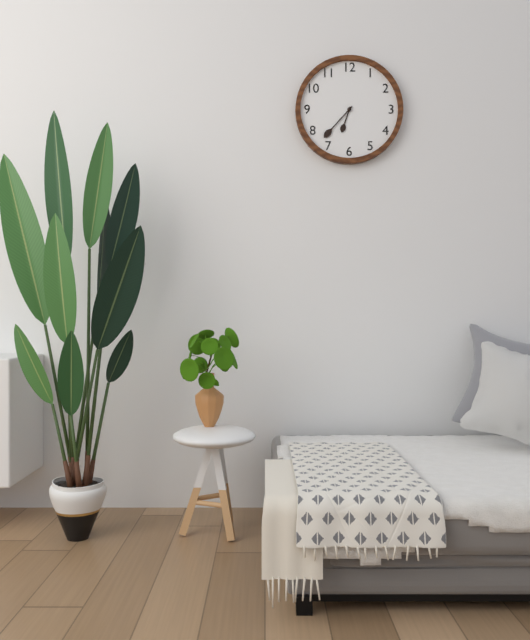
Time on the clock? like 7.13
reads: 6.37
